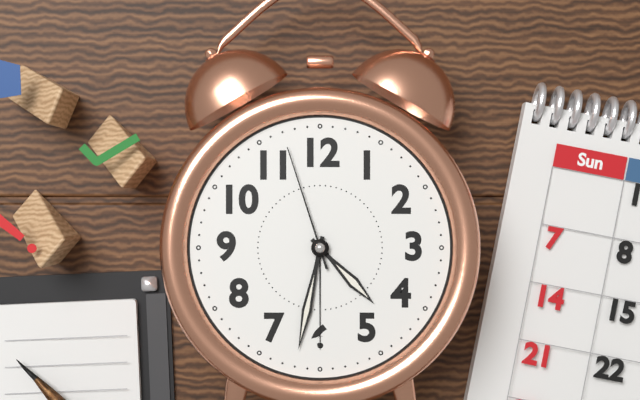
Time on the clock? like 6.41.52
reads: 4.32.57
